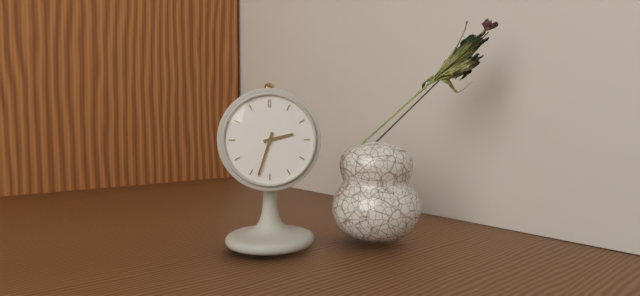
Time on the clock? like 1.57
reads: 2.33
